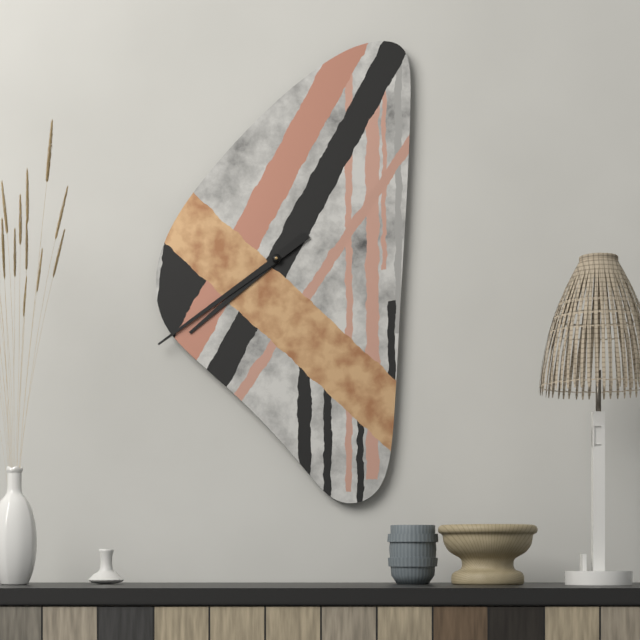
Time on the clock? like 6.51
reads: 7.39
